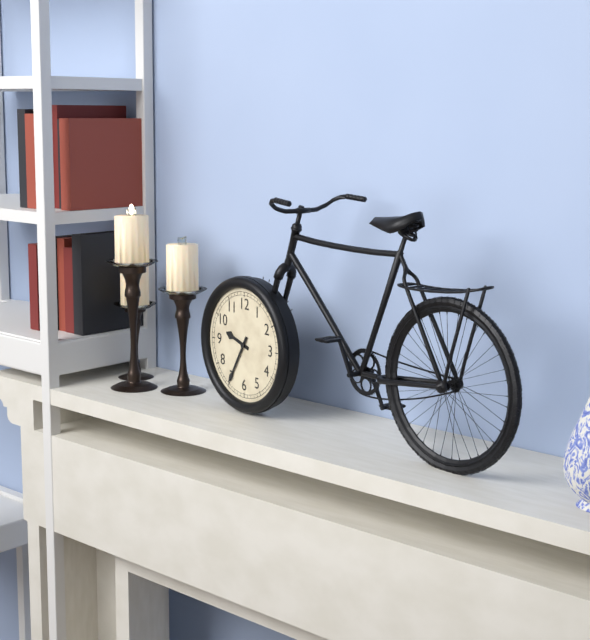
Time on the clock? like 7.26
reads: 9.35
